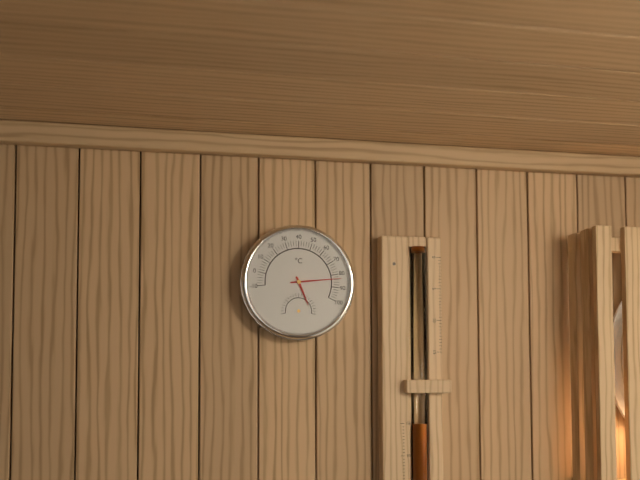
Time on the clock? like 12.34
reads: 5.14
